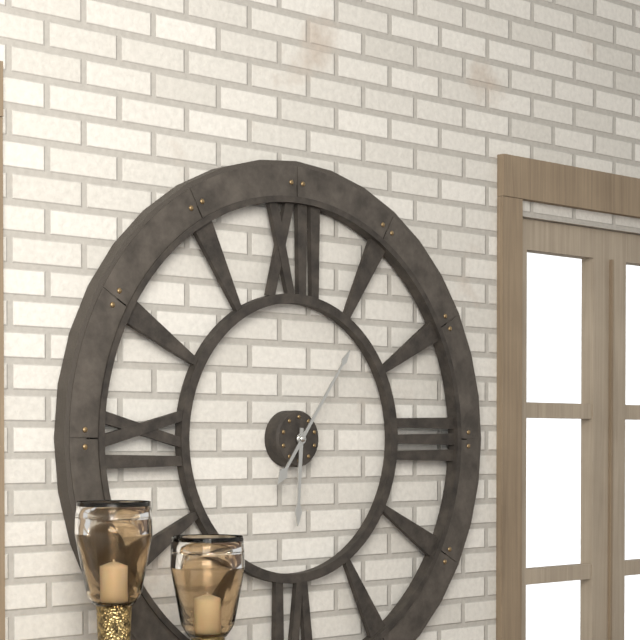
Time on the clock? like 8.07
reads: 6.06
